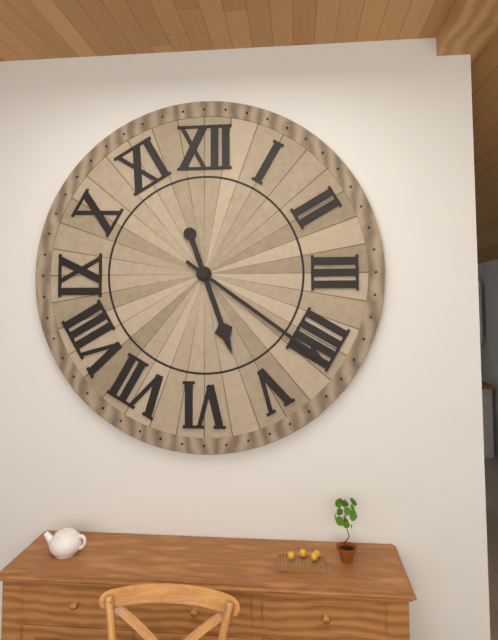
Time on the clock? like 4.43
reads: 5.21
